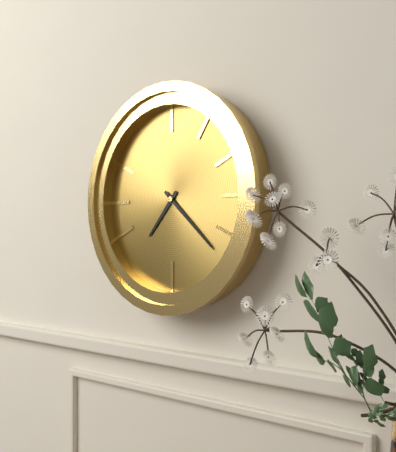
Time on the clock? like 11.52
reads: 7.22
